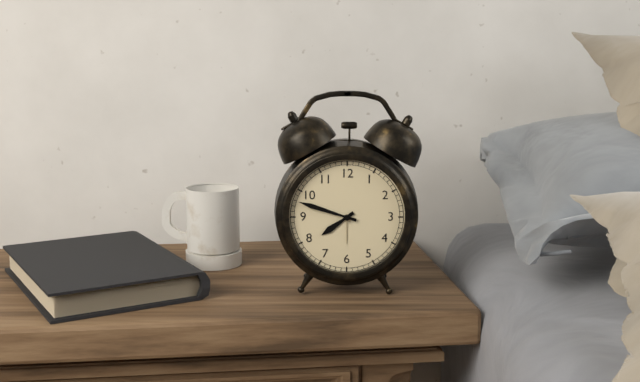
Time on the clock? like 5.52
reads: 7.48
